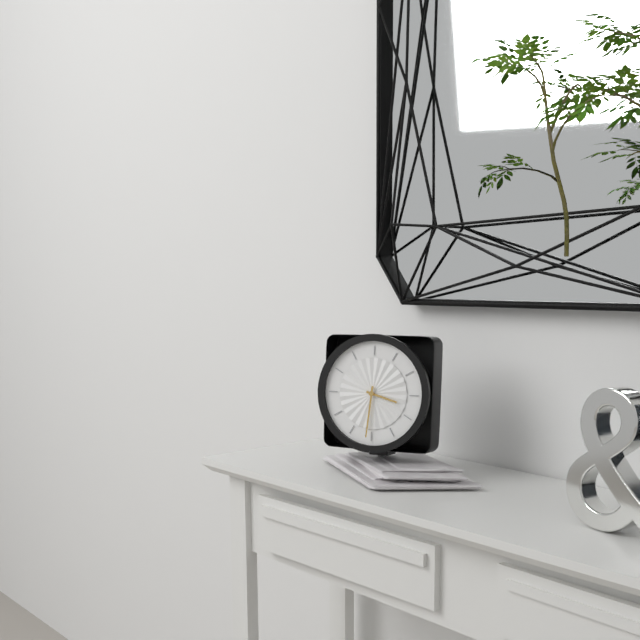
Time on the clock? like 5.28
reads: 3.31
